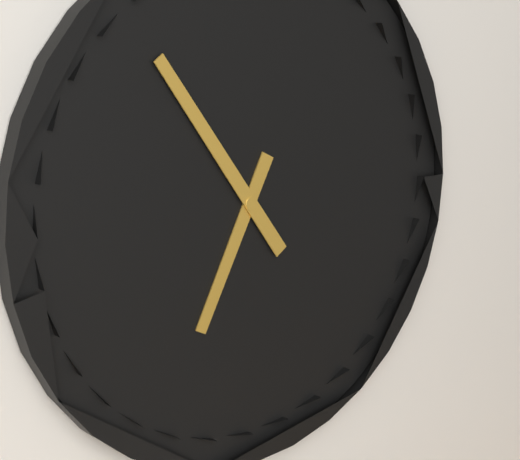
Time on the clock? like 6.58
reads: 6.54
